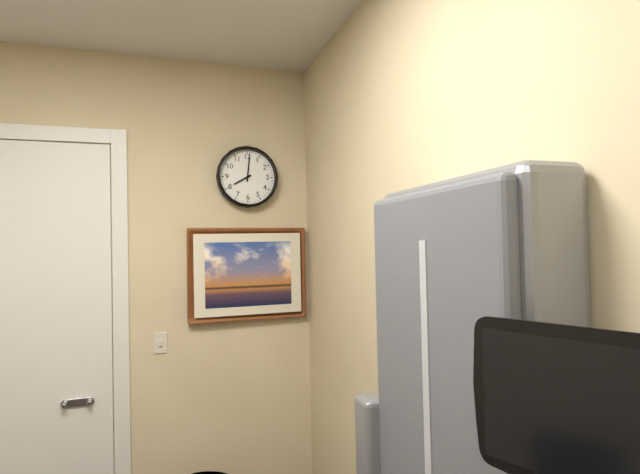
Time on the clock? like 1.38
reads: 8.01
